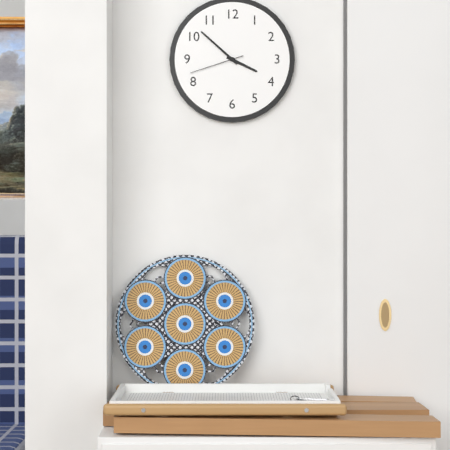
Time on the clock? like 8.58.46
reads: 3.52.42
